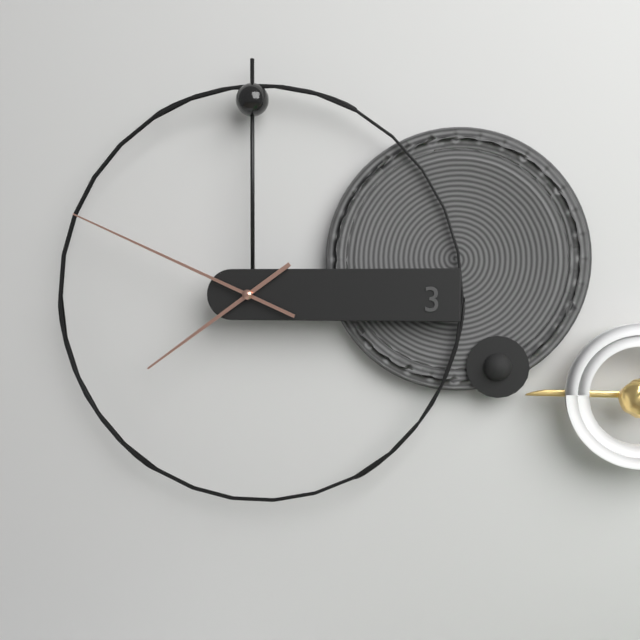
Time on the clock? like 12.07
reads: 7.49
